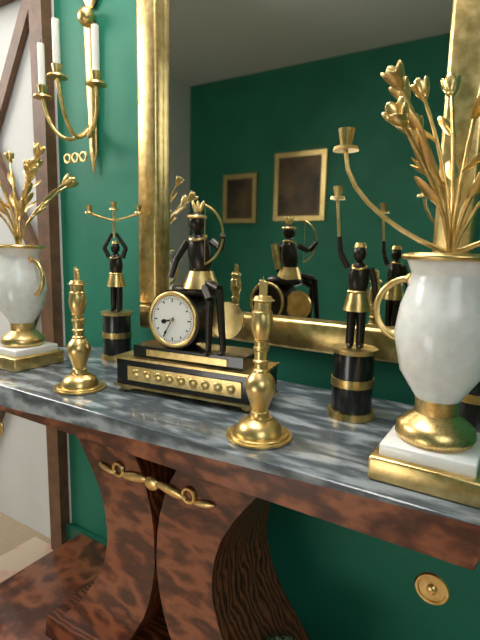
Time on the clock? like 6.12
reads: 8.35
